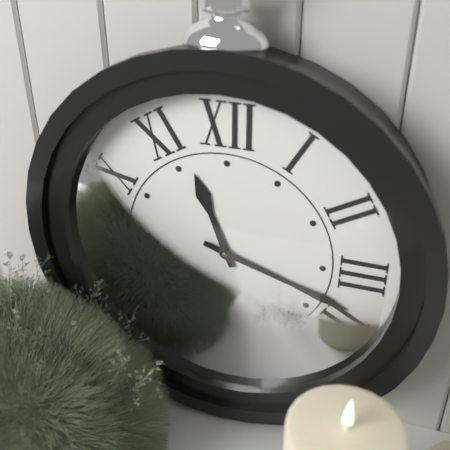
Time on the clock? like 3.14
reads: 11.18
